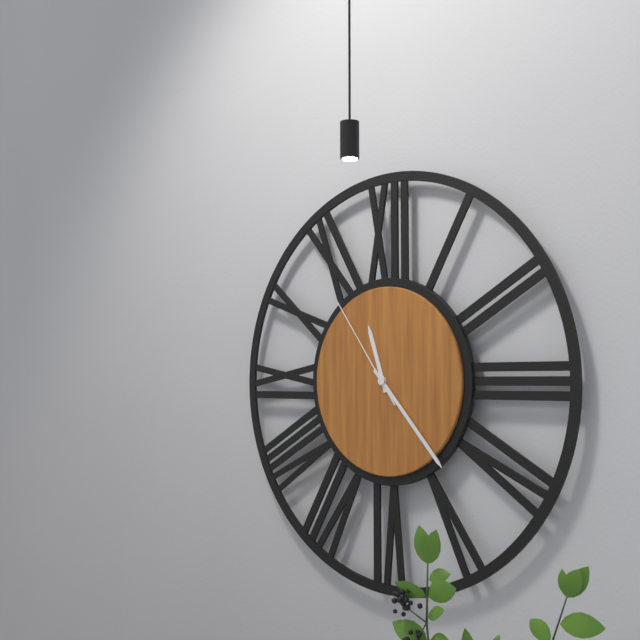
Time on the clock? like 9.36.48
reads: 11.23.54
